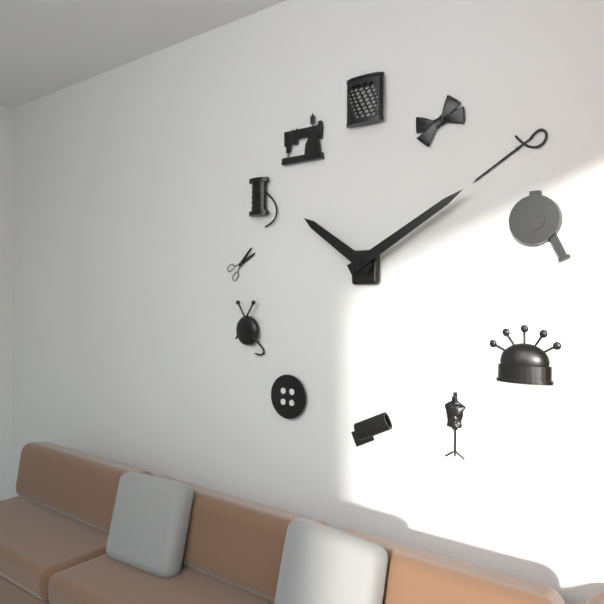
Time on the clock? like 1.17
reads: 10.10
